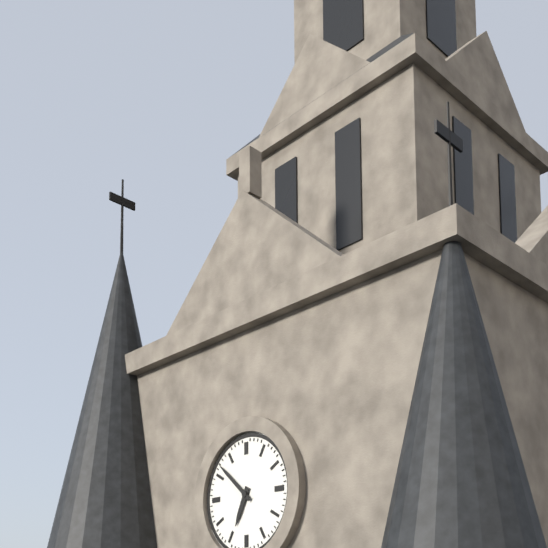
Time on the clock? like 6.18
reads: 6.52
